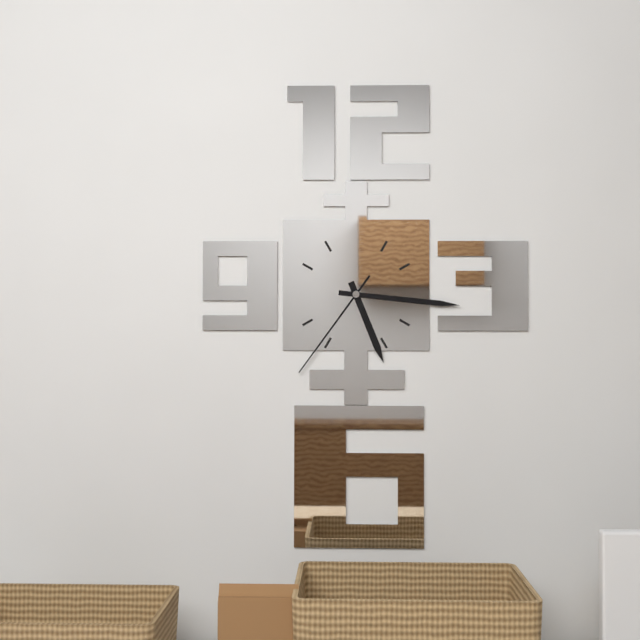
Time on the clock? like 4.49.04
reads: 5.16.36
